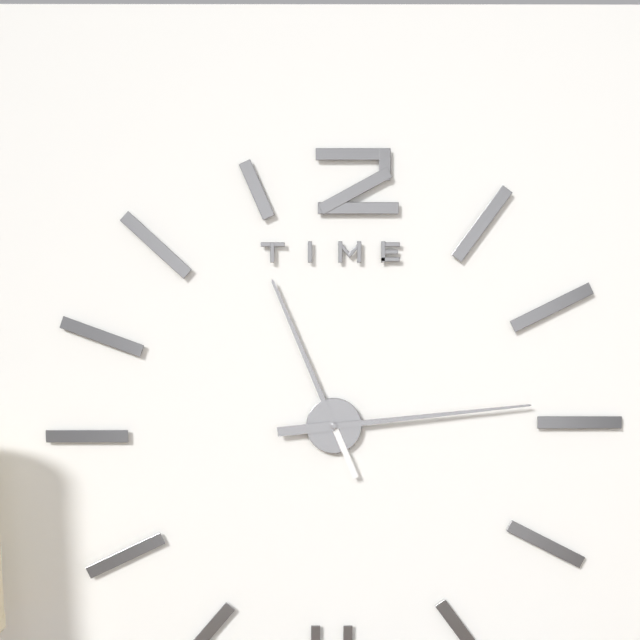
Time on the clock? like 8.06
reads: 11.14
